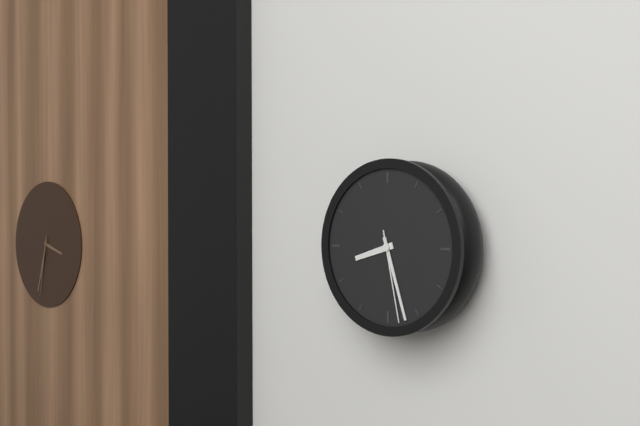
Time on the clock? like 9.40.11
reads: 8.27.28
